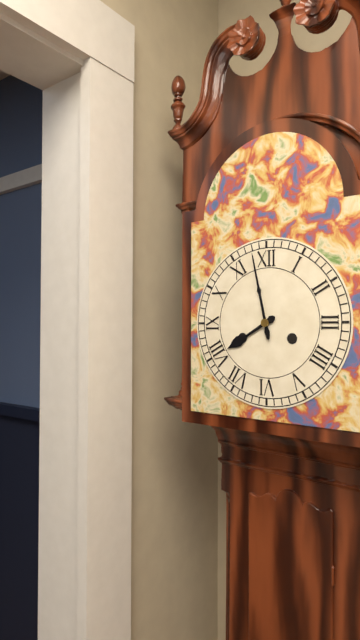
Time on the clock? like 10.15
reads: 7.58
